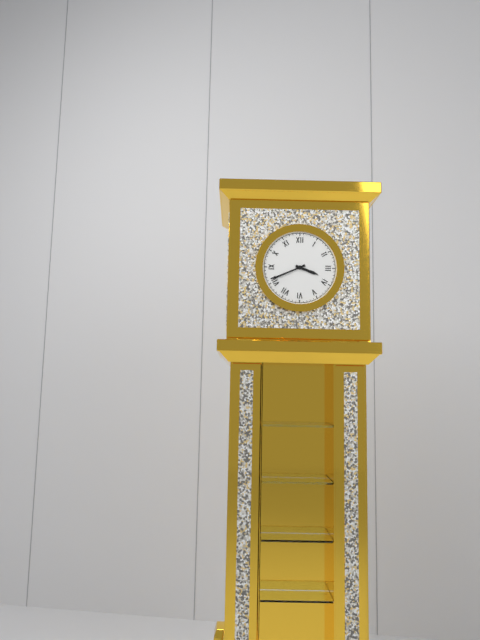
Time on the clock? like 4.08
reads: 3.41
